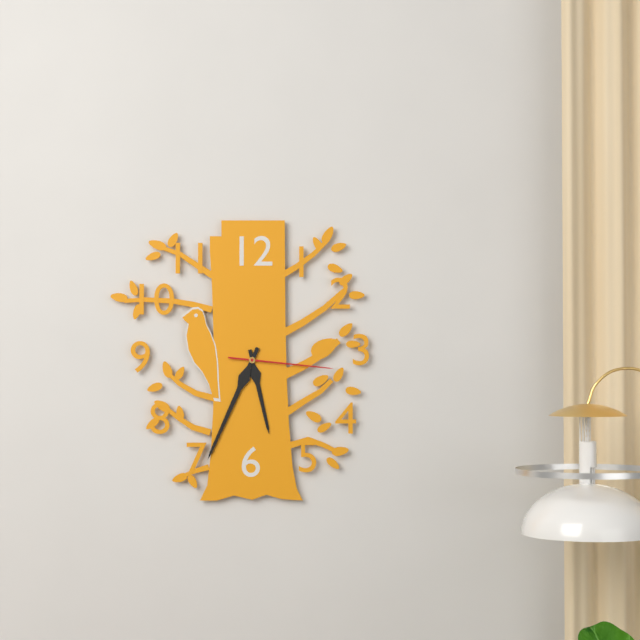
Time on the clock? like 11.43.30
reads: 5.34.16
